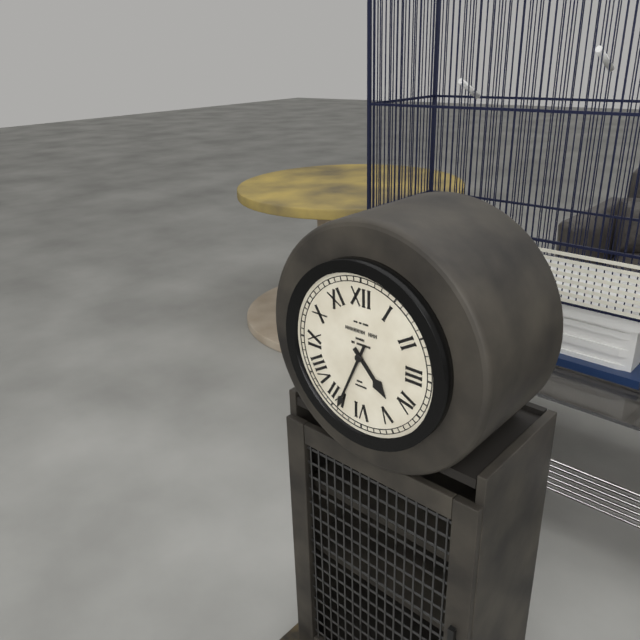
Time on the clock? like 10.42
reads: 4.34
